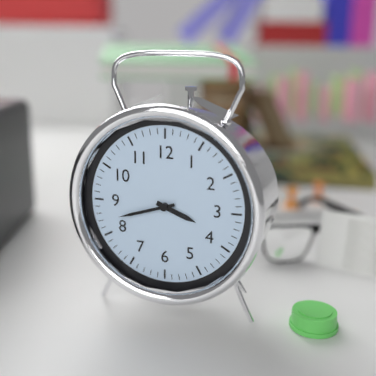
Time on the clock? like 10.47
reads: 3.42
